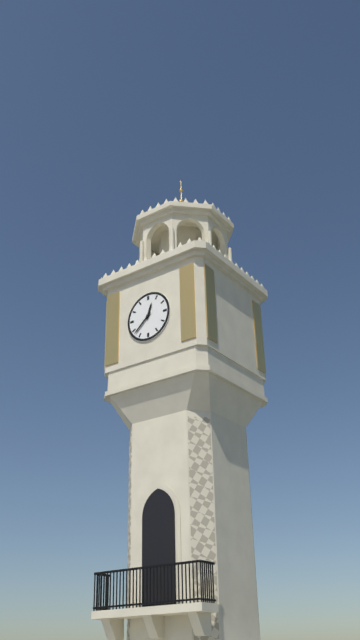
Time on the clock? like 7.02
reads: 12.38
